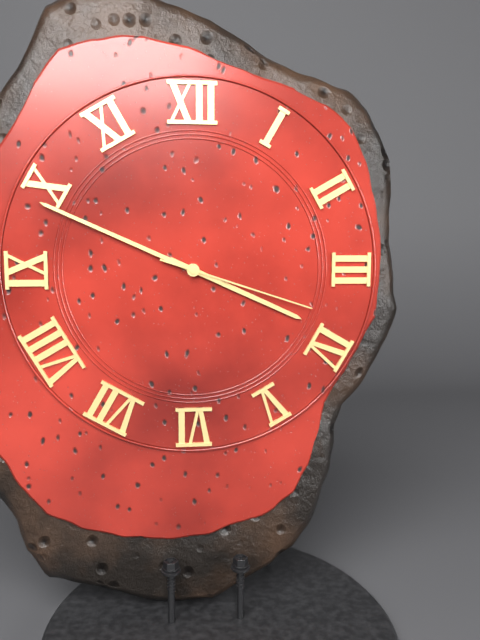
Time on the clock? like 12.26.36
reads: 3.49.18
